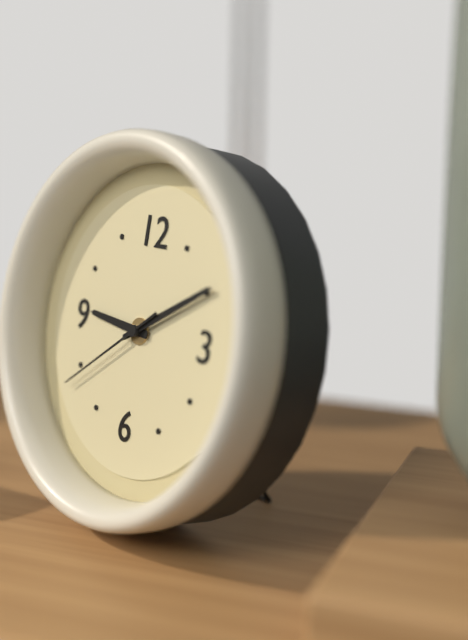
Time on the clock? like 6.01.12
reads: 9.10.39
